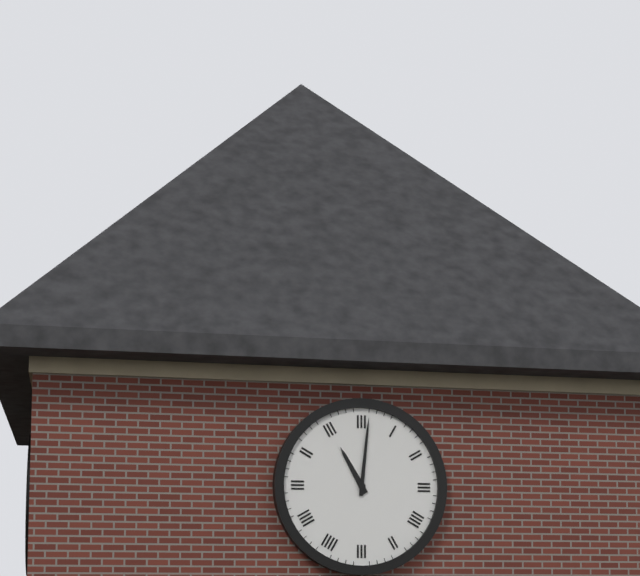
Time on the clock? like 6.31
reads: 11.01
